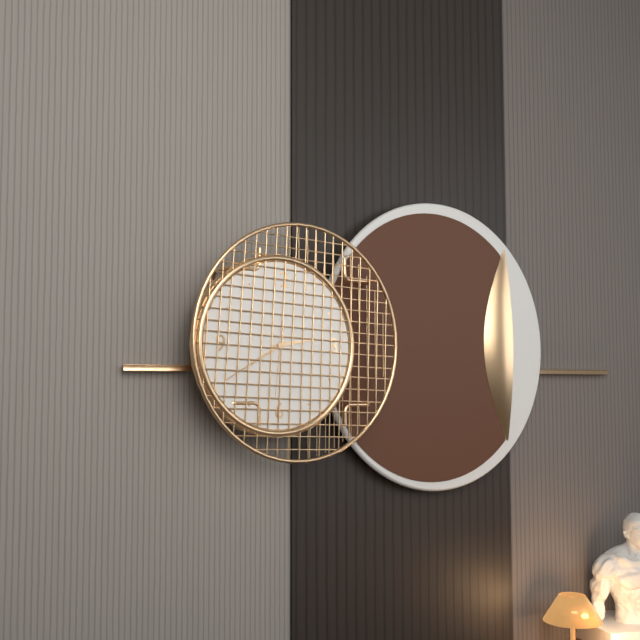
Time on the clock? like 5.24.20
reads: 2.40.01
